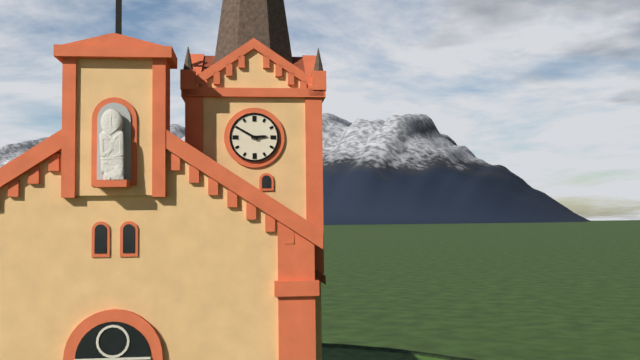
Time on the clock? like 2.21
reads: 2.50
